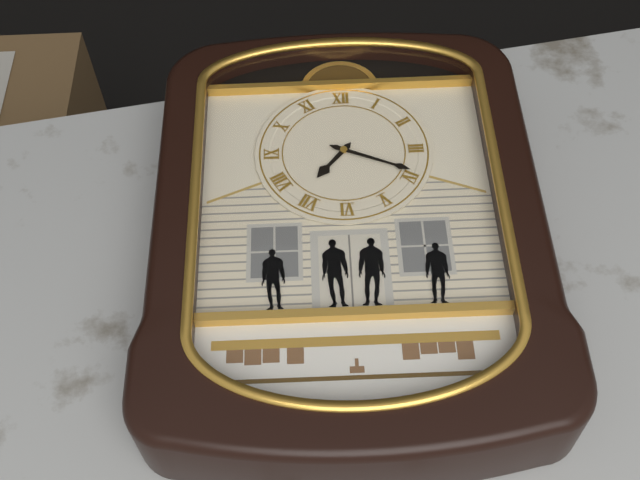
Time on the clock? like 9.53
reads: 7.19
